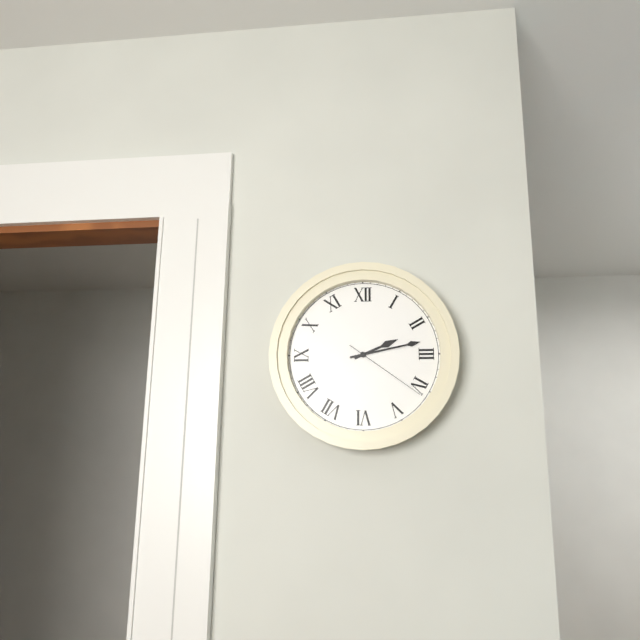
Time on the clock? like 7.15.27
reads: 2.13.21
